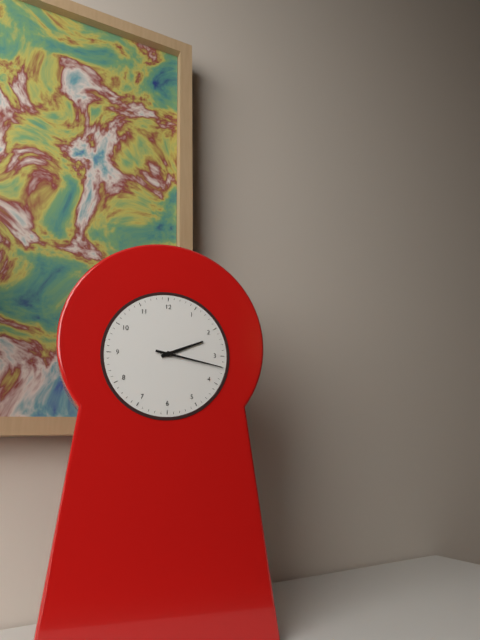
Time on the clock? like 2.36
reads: 2.17
